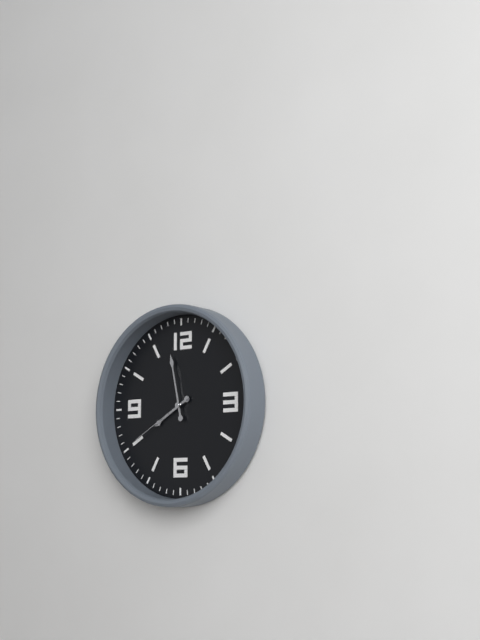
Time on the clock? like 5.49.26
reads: 7.58.40
